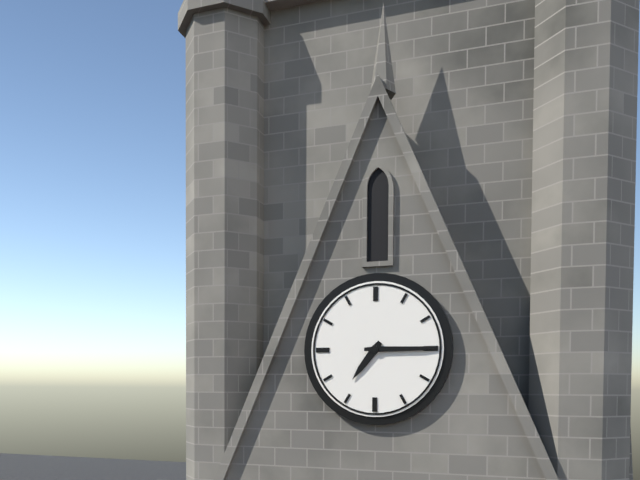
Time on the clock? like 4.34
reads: 7.15
